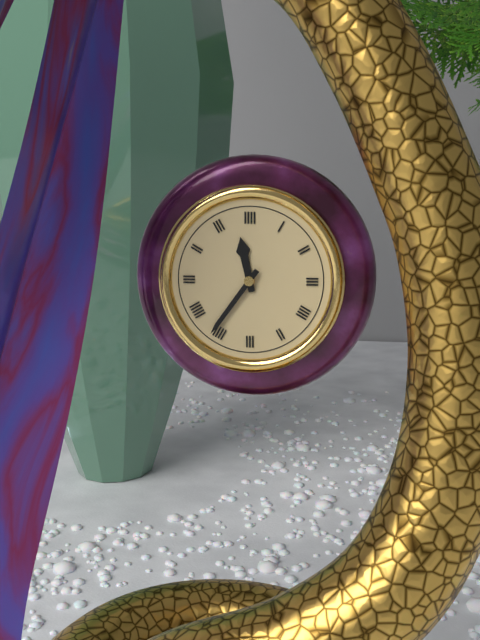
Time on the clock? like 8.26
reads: 11.36
